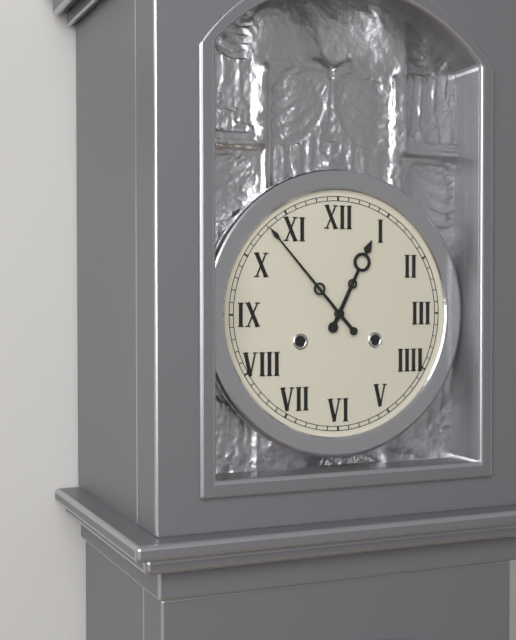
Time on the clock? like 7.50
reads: 12.53
